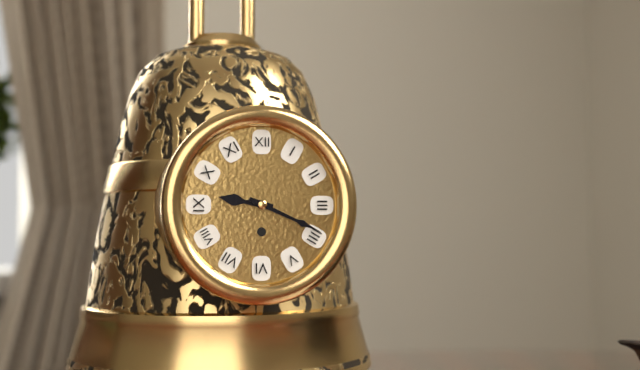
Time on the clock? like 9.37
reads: 9.19
